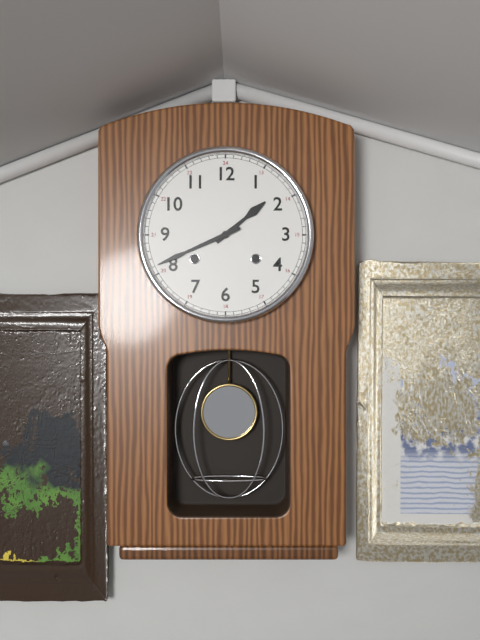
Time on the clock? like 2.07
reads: 1.41
